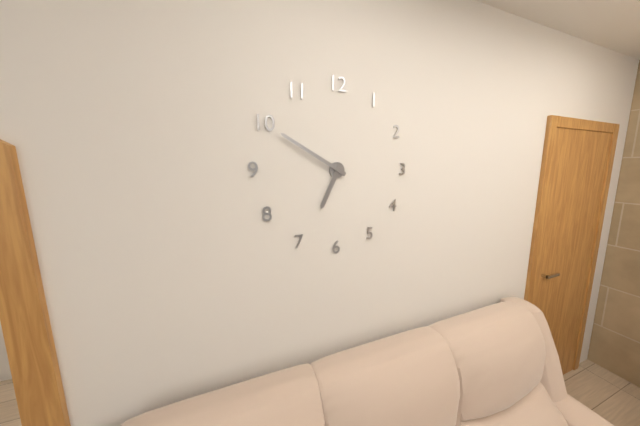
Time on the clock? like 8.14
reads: 6.50
